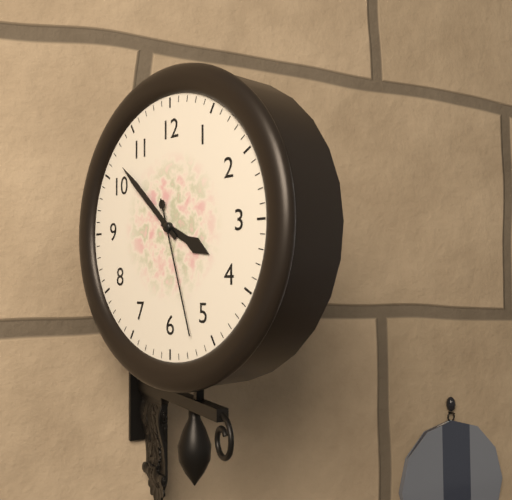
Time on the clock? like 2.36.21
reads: 3.52.27
